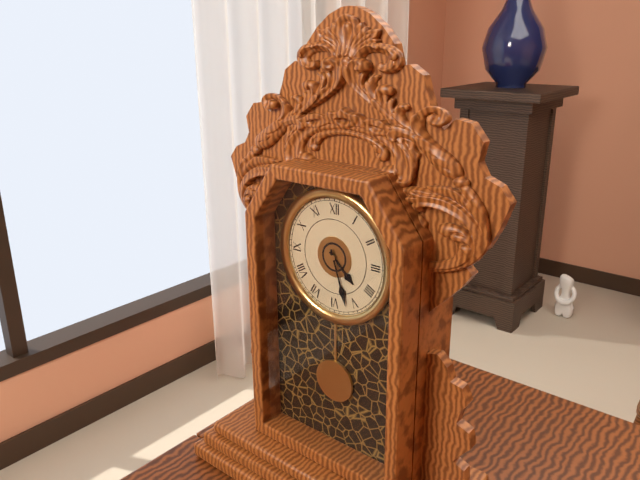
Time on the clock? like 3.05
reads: 4.27
